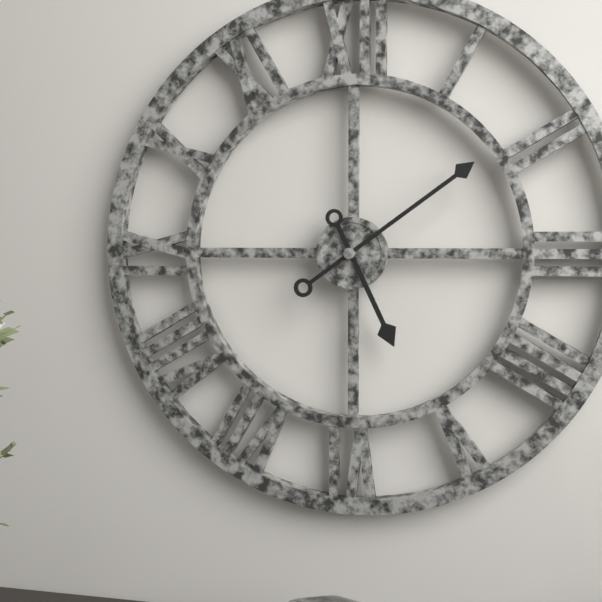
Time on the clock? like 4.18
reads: 5.09
